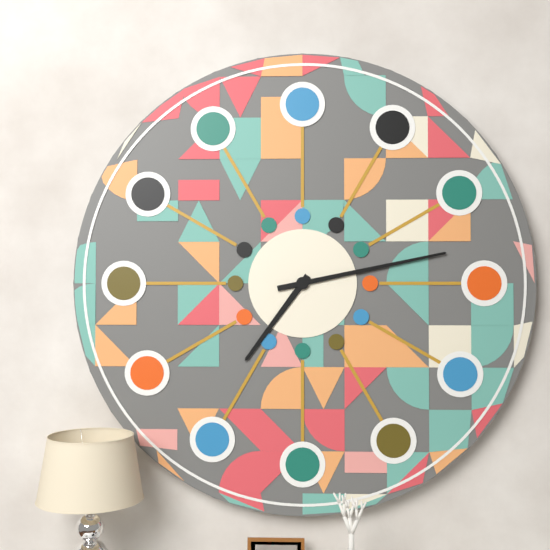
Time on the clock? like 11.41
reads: 7.13
